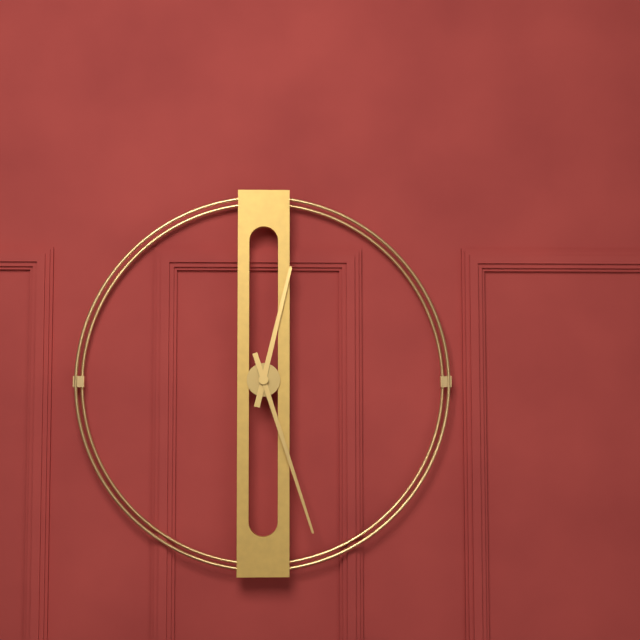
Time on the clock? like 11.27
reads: 12.27
